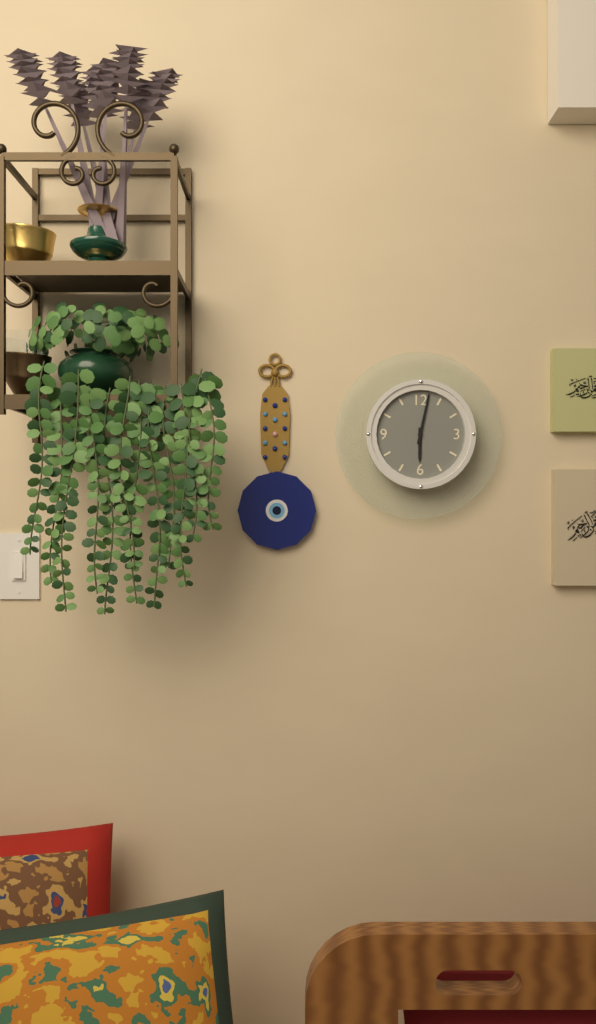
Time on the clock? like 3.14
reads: 6.02
